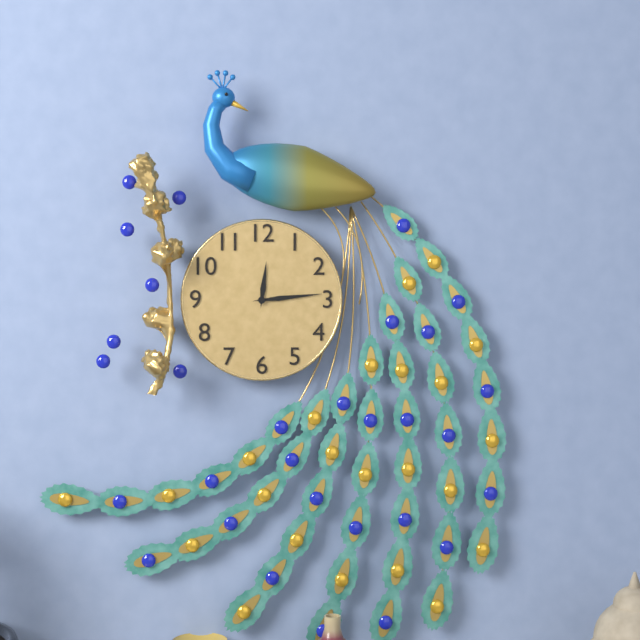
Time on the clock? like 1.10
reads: 12.14
